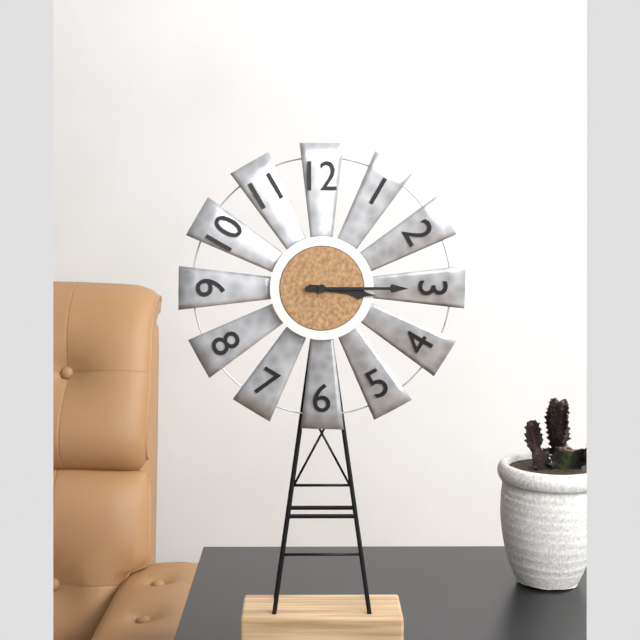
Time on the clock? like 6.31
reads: 3.15
